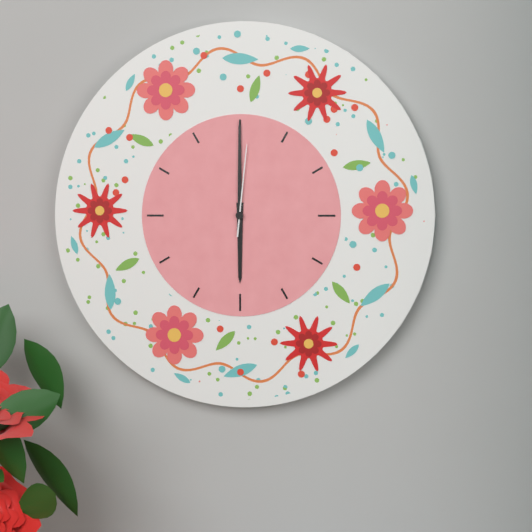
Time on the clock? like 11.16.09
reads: 6.00.01
